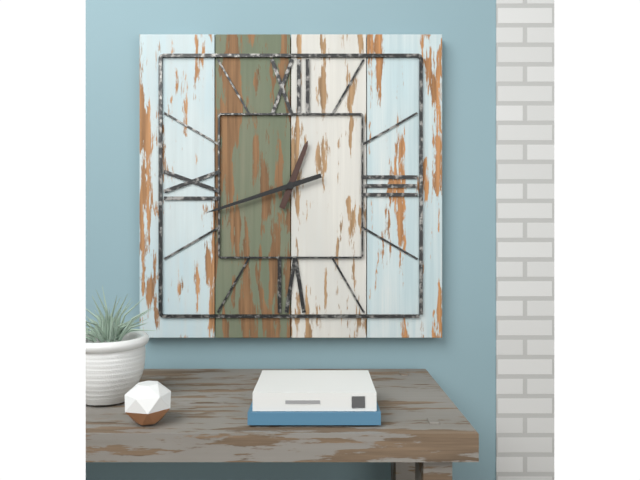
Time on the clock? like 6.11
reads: 12.42
